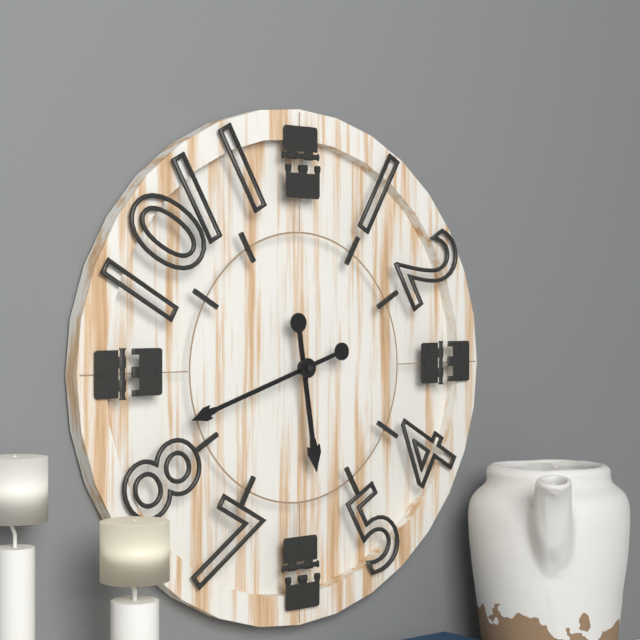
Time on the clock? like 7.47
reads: 5.42
